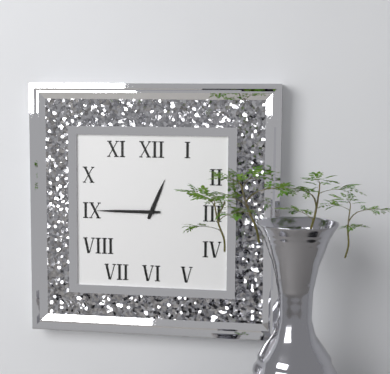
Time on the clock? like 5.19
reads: 12.45
